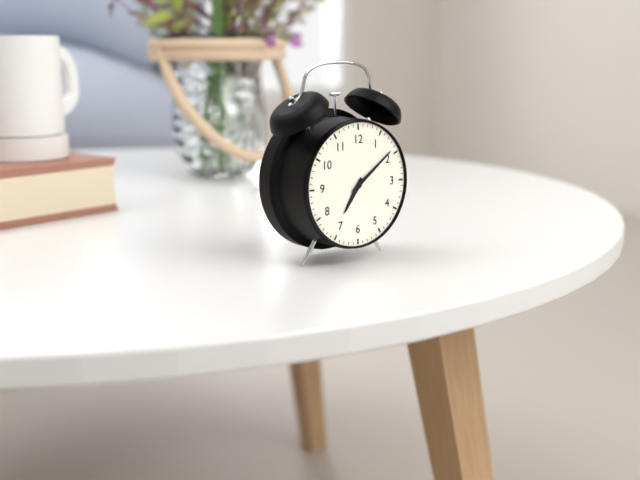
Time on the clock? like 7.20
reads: 7.09
